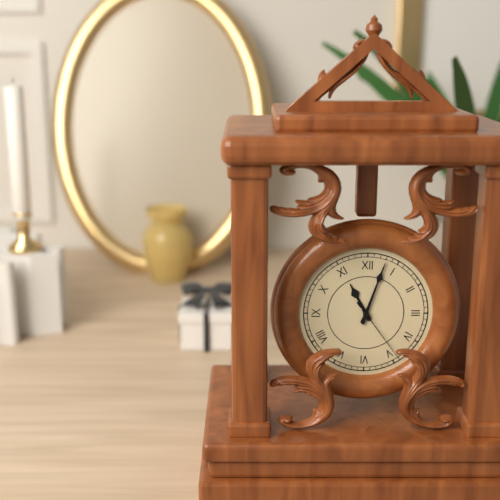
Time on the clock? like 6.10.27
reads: 11.03.24
